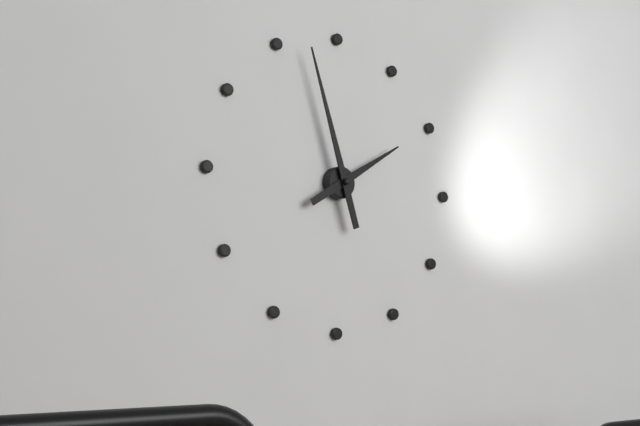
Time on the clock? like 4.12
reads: 1.57
